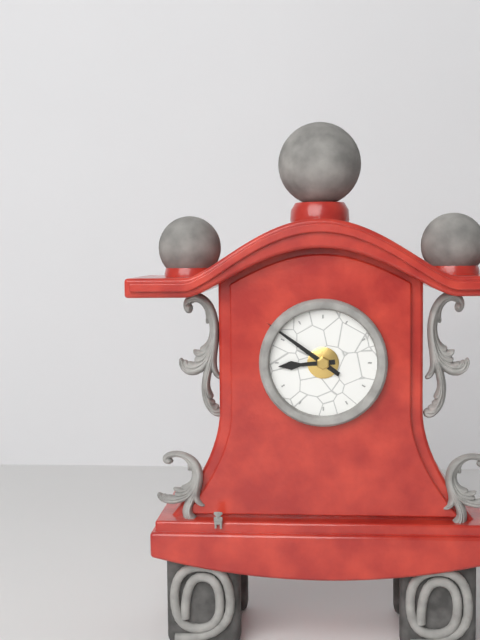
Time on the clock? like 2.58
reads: 8.51
